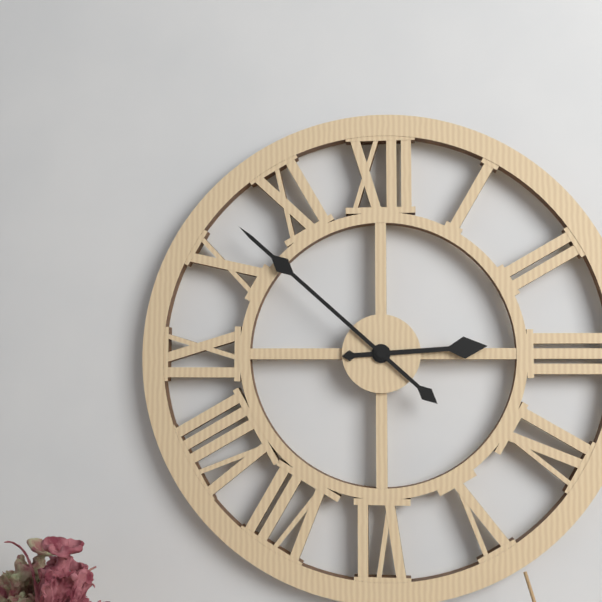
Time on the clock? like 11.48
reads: 2.52
